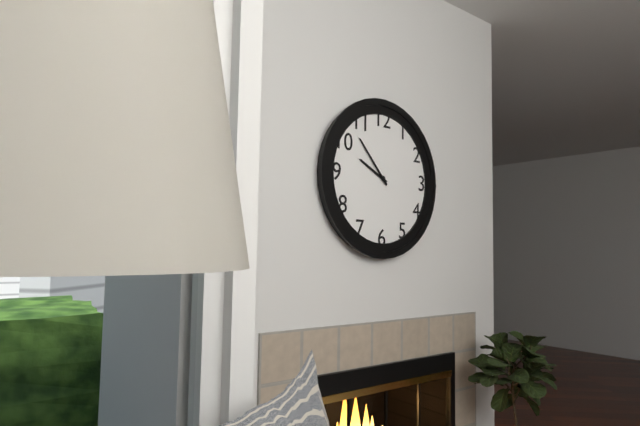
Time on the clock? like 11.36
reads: 9.53
